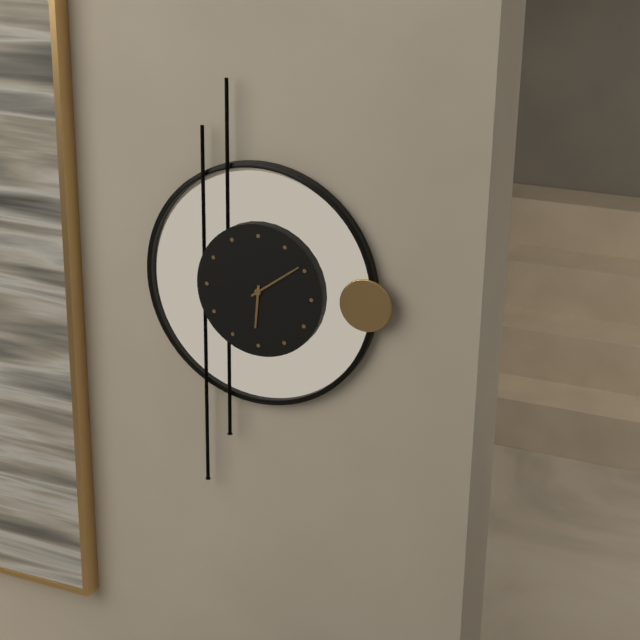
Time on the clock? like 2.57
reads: 6.09
